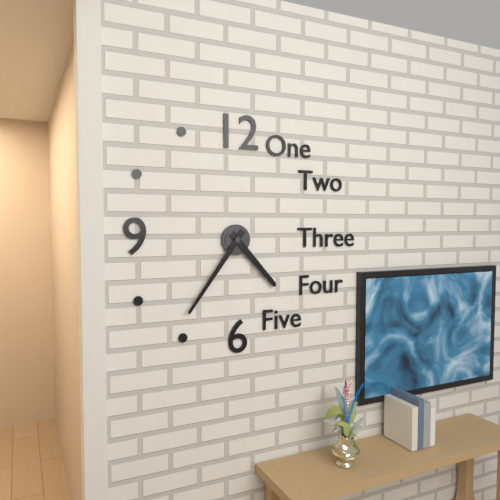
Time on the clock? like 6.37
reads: 4.36
